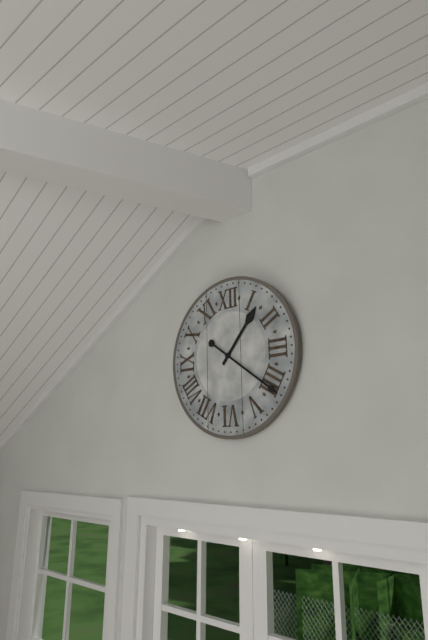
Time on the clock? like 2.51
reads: 1.21
